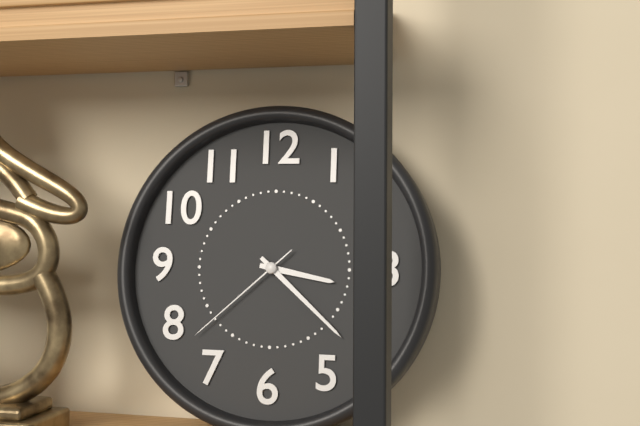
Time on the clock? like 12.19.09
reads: 3.22.38
